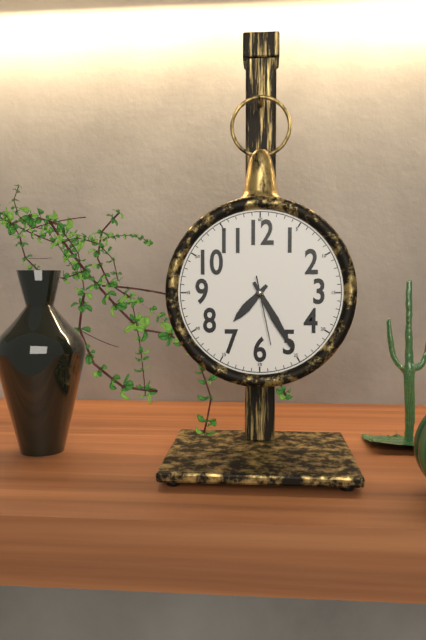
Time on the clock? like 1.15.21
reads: 7.25.28
